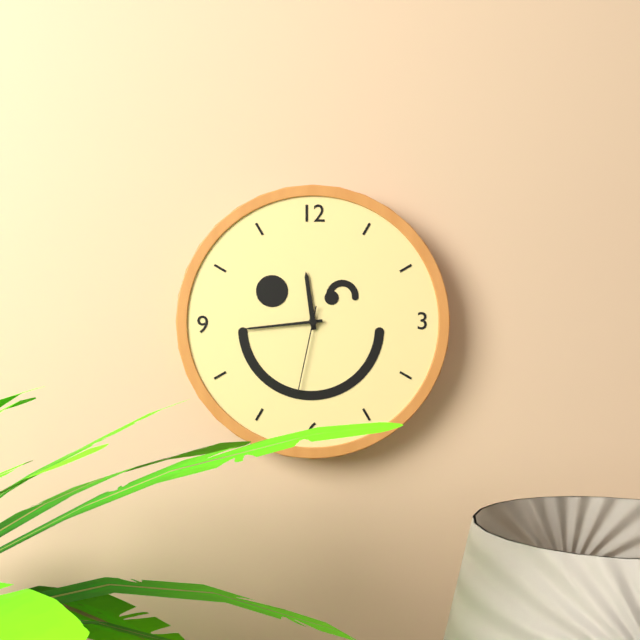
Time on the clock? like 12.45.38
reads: 11.44.32
